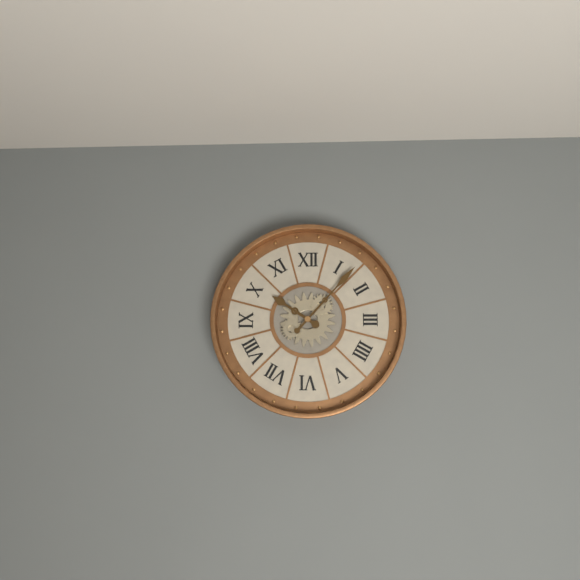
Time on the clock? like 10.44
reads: 10.07
